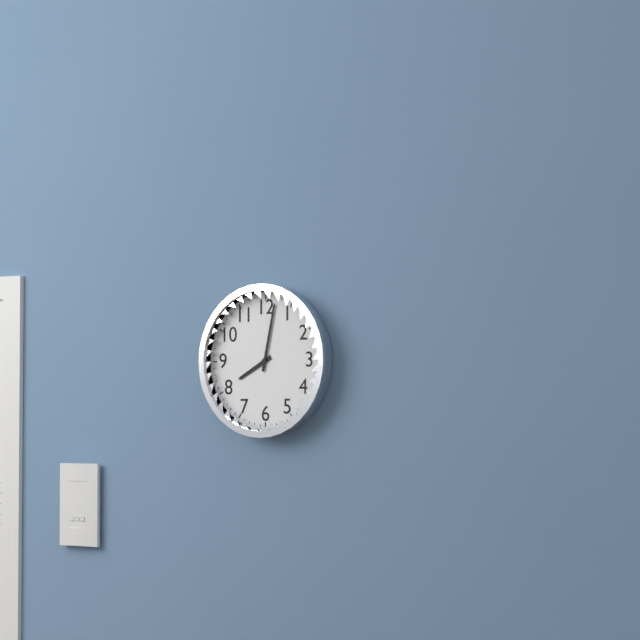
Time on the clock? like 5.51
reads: 8.02
